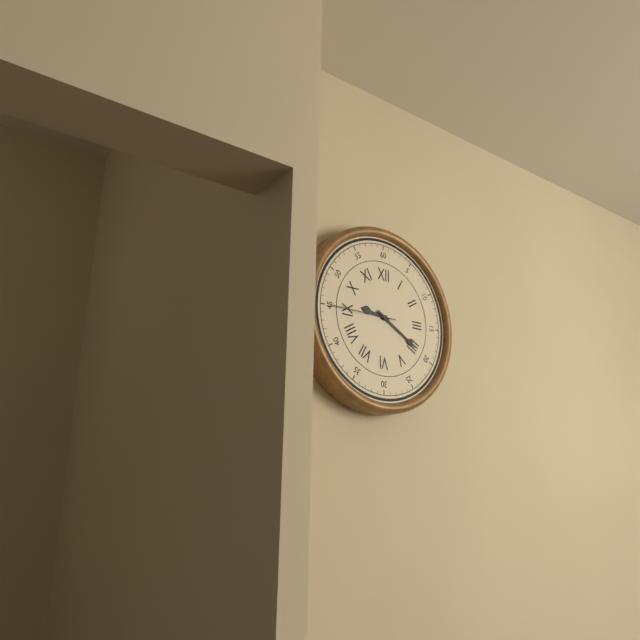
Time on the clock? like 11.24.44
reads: 9.20.45
